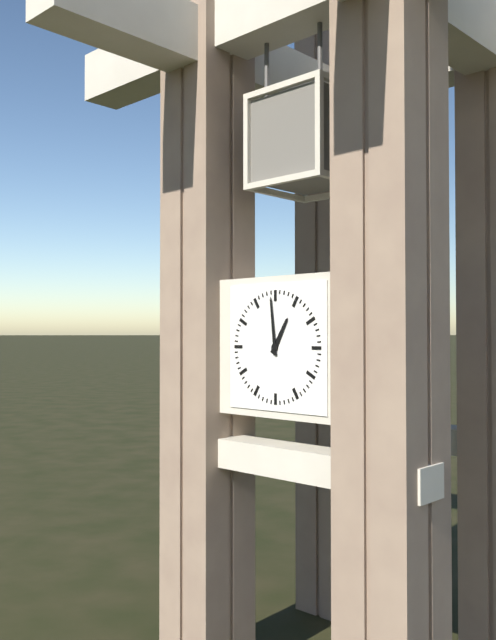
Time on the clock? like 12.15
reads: 12.59
